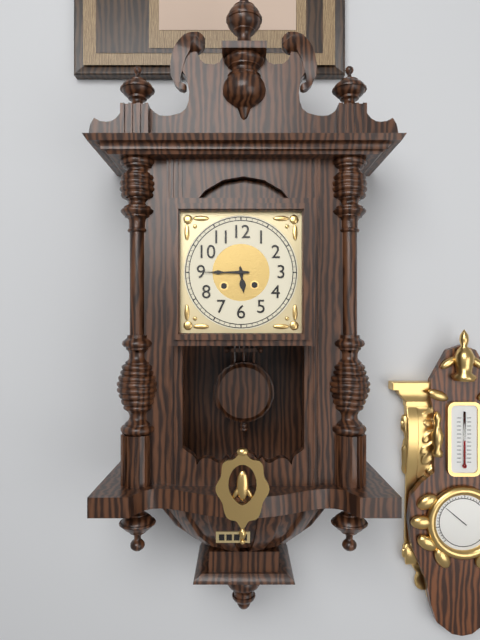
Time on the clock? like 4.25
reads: 5.45
